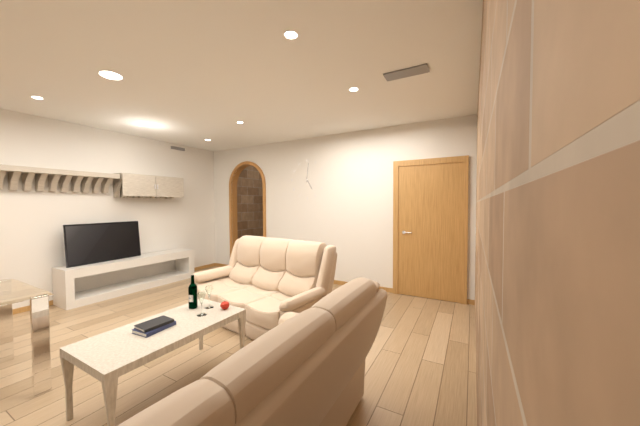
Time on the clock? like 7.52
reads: 5.01
